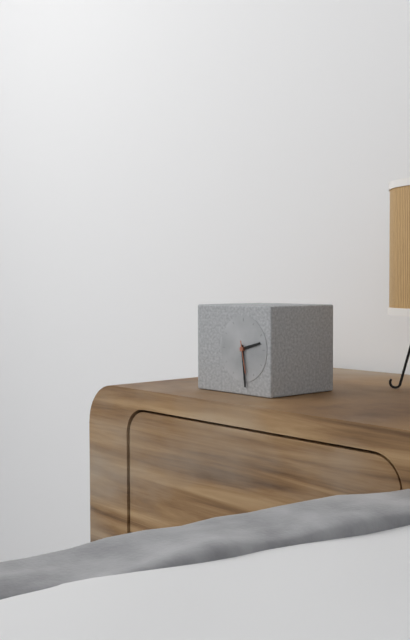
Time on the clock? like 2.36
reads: 2.29
